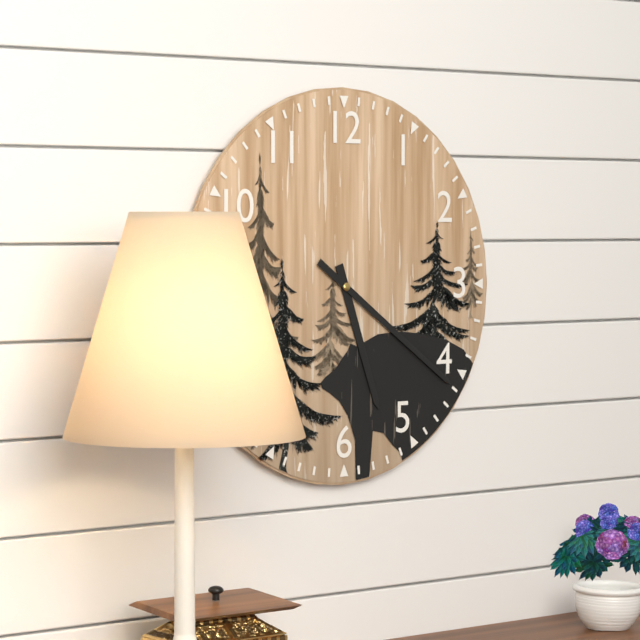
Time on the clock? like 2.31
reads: 5.21
